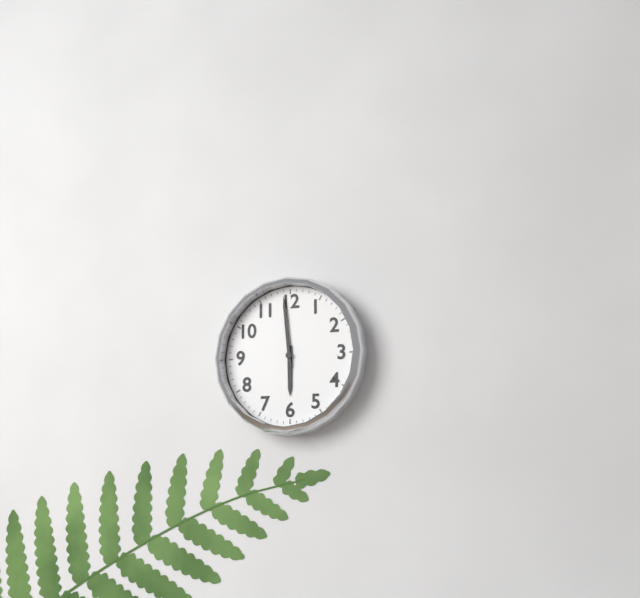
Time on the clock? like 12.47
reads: 5.59
